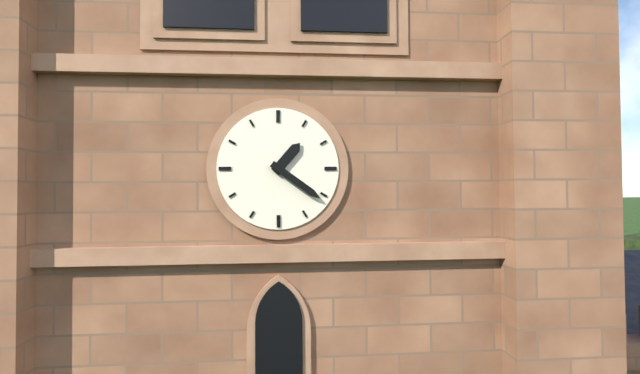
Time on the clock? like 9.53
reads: 1.21
